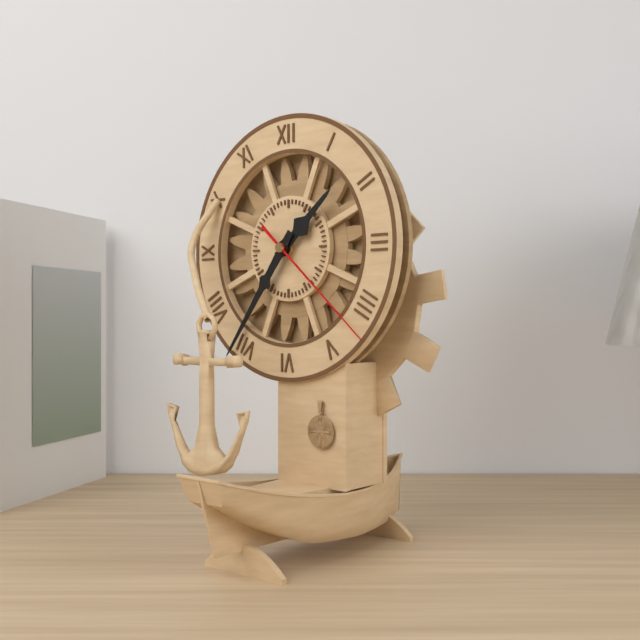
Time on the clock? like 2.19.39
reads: 1.36.22
